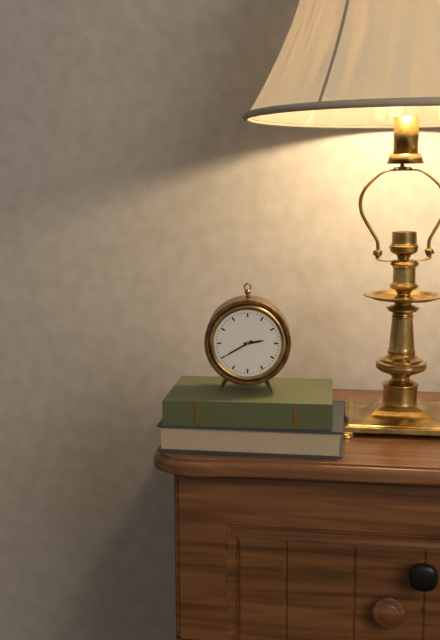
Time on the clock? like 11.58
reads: 2.40
